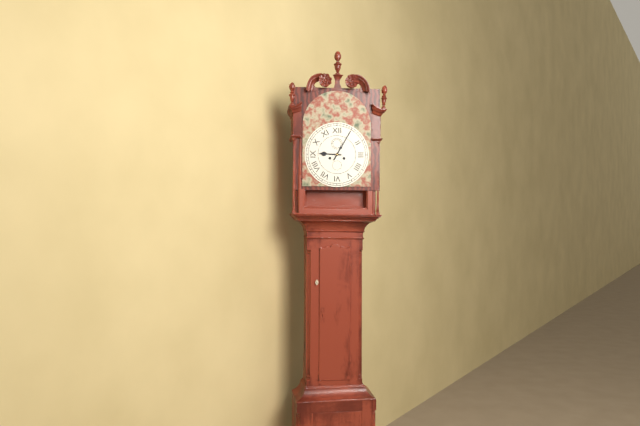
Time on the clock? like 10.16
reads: 9.05
